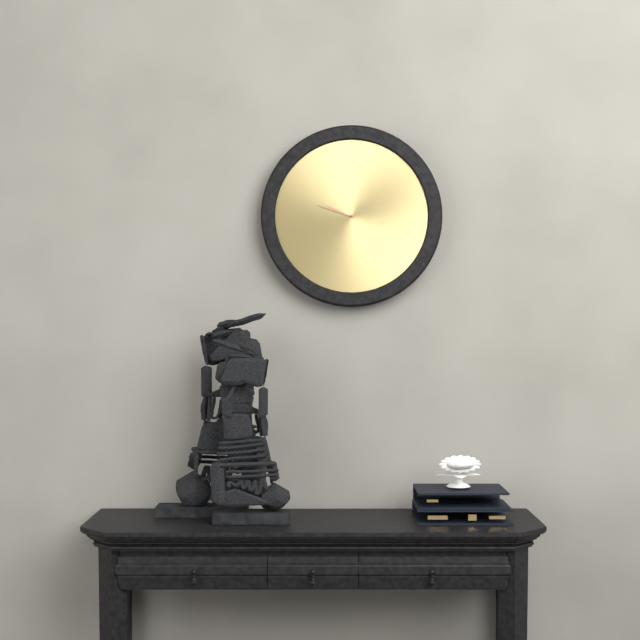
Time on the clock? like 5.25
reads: 9.48
